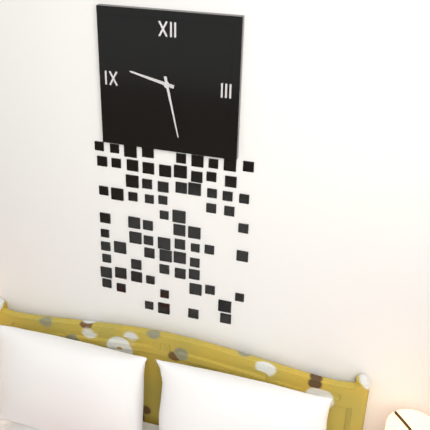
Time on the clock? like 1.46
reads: 9.28
